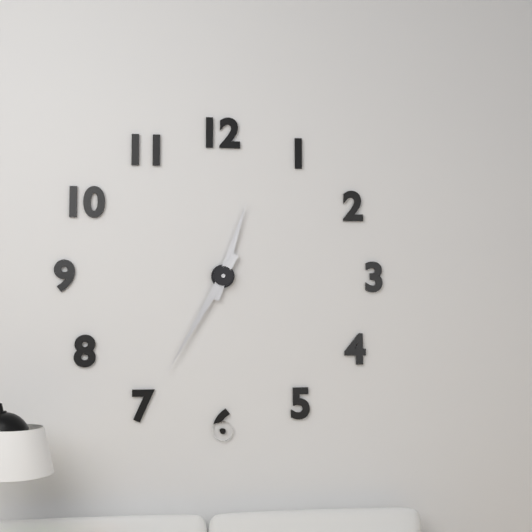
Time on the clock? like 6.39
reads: 12.35
